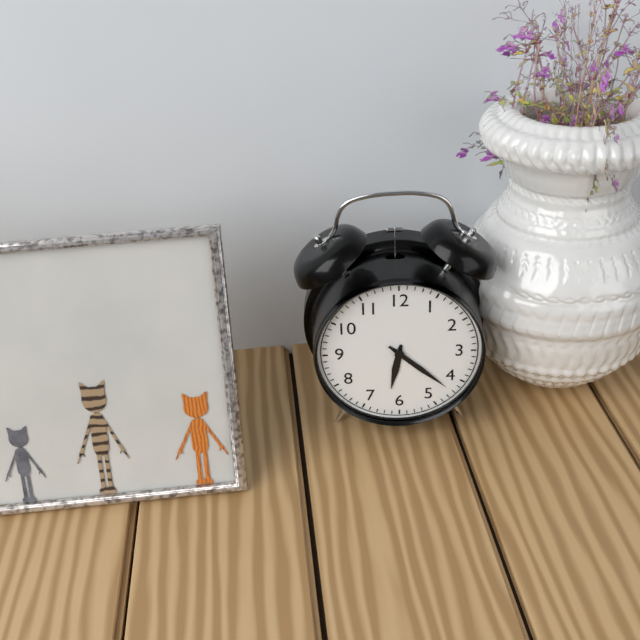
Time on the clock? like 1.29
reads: 6.22
